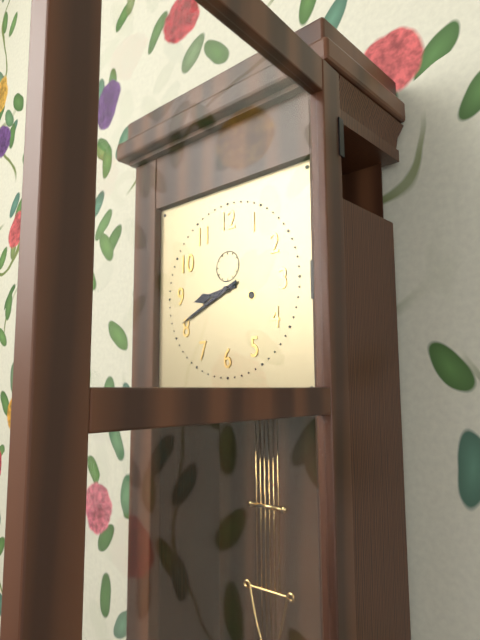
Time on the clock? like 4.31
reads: 8.41
